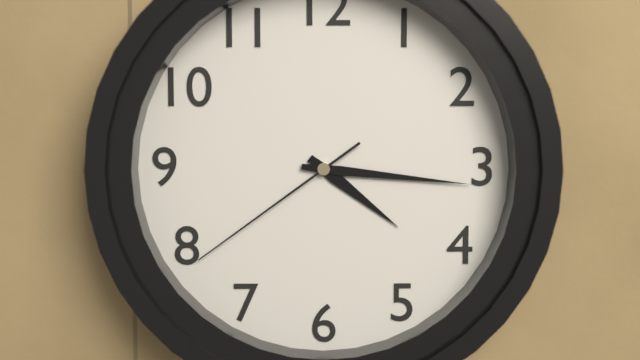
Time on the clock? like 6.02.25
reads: 4.16.39
